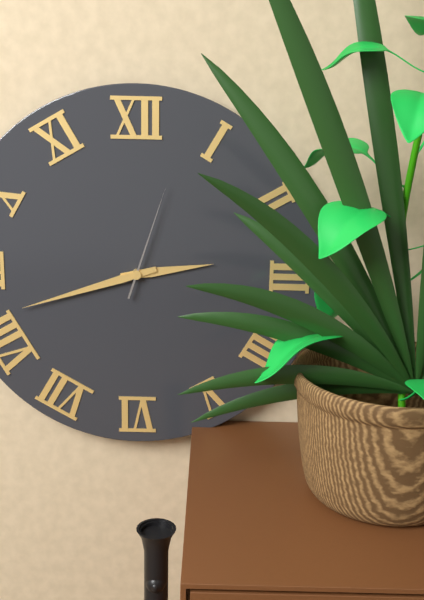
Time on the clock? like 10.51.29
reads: 2.42.03
